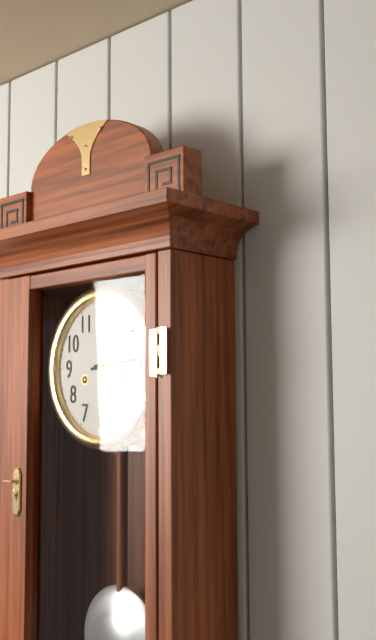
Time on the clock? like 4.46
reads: 3.14
